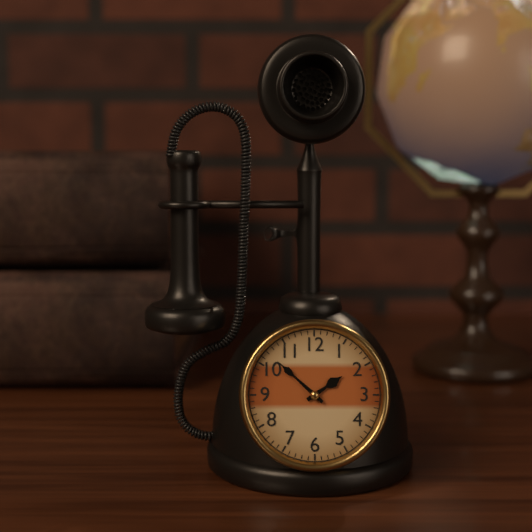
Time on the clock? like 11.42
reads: 1.52
